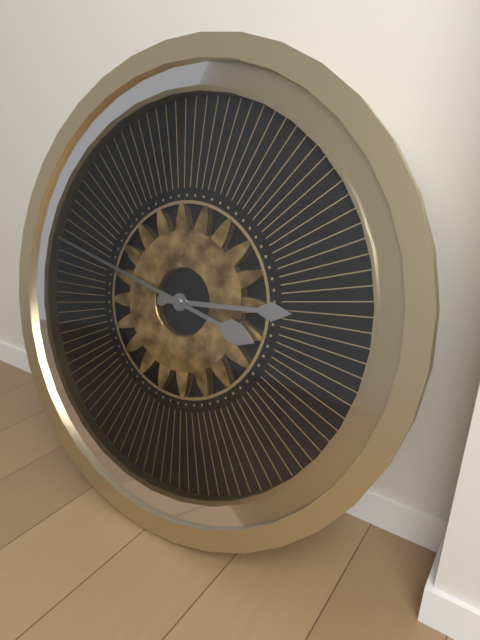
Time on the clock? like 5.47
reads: 2.47
